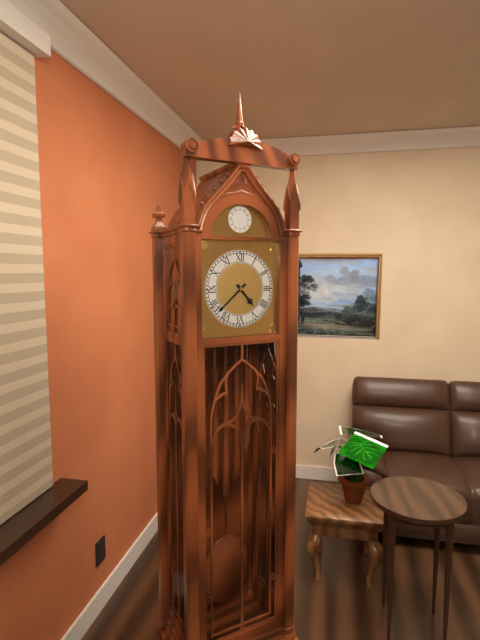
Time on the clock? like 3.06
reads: 4.38
